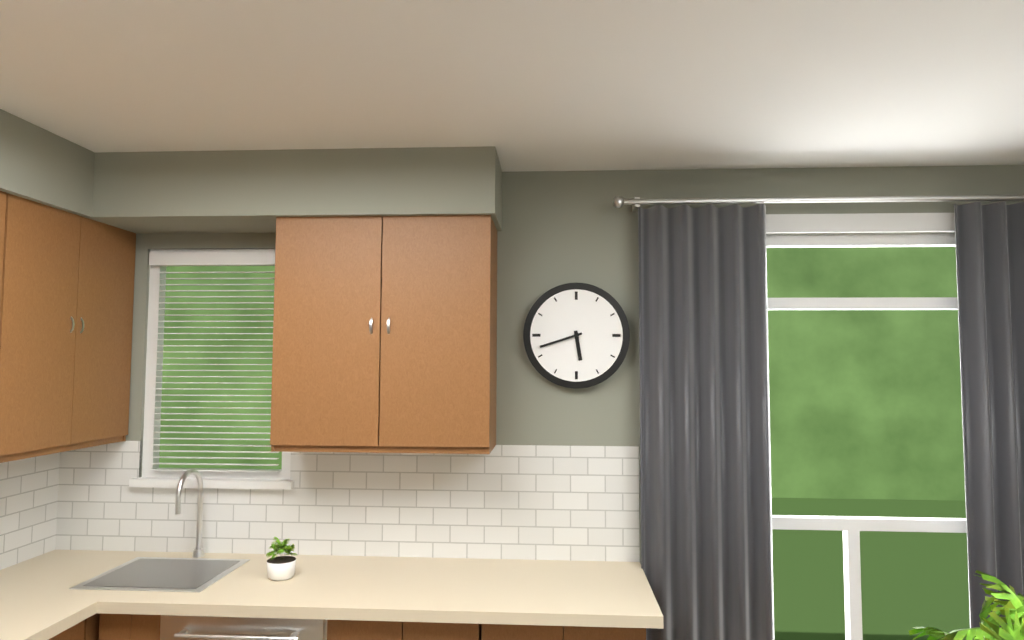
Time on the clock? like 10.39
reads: 5.42
